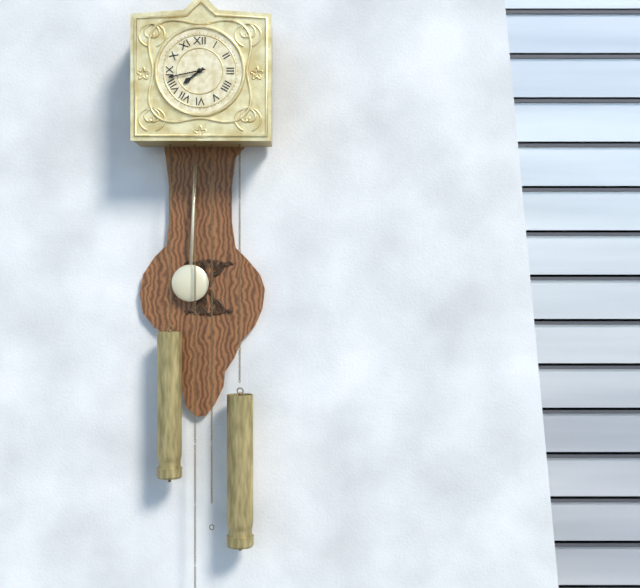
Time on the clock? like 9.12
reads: 7.43
